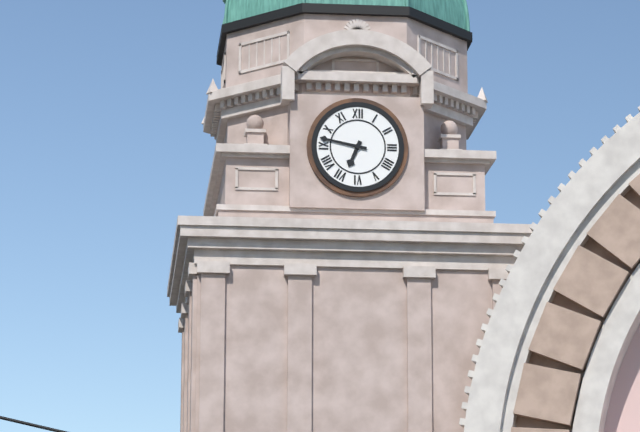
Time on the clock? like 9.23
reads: 6.47
